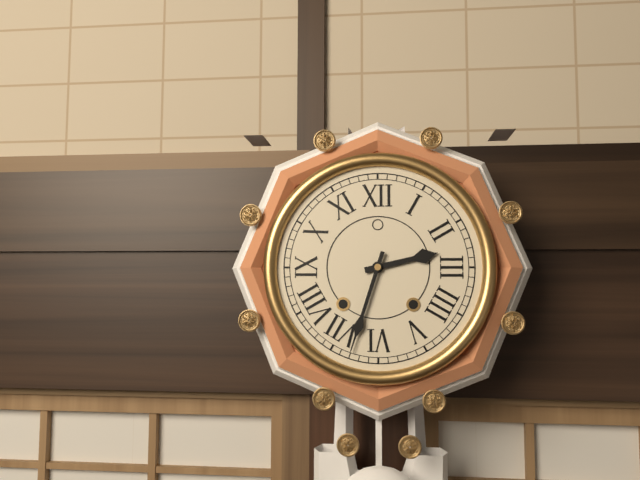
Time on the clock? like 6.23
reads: 2.33
